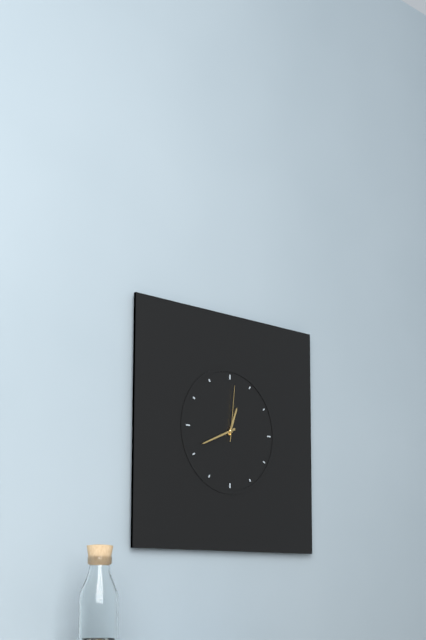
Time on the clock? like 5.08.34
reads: 12.41.01
